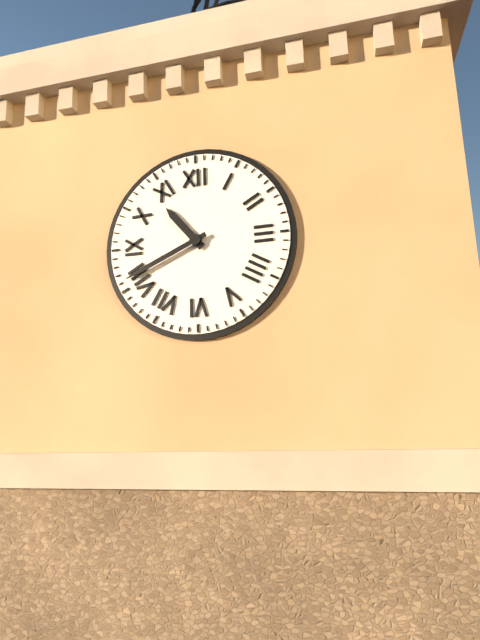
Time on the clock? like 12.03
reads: 10.41
